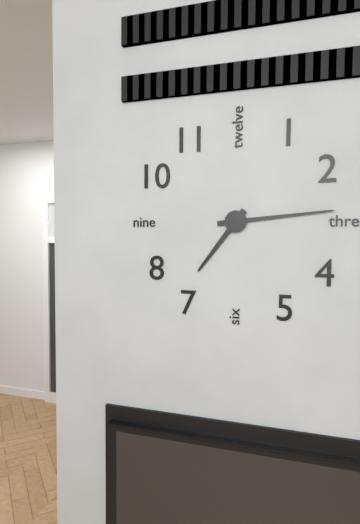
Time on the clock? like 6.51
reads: 7.14
